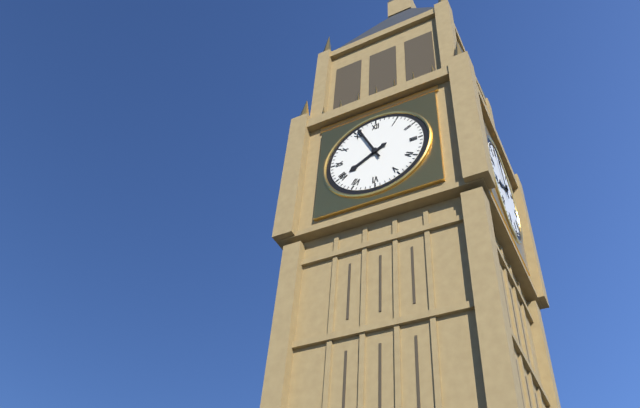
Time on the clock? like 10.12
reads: 7.56
